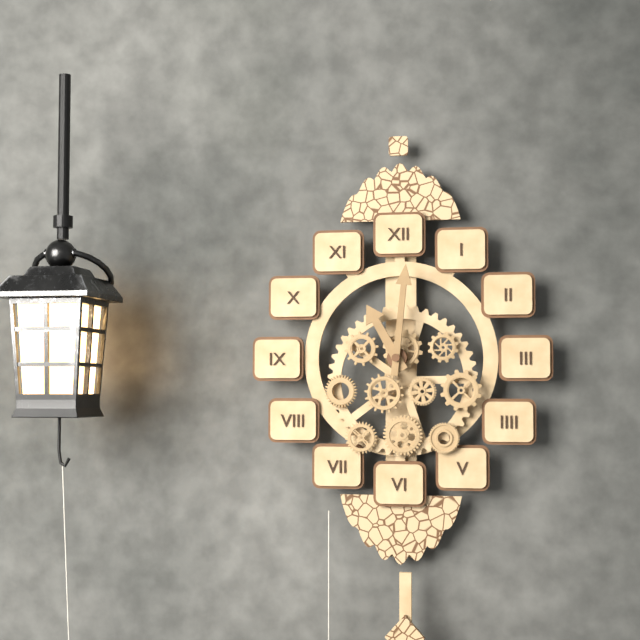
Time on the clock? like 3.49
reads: 11.01
